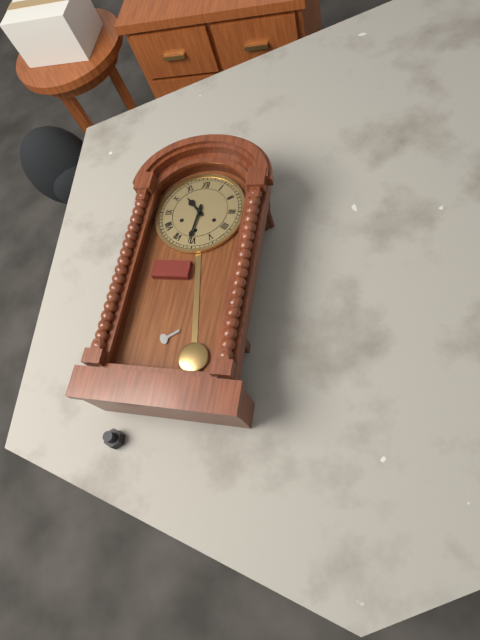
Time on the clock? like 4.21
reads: 10.31
